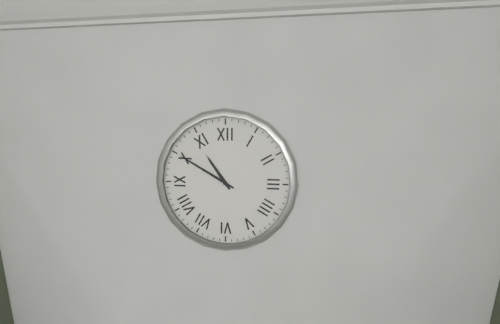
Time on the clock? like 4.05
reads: 10.50
